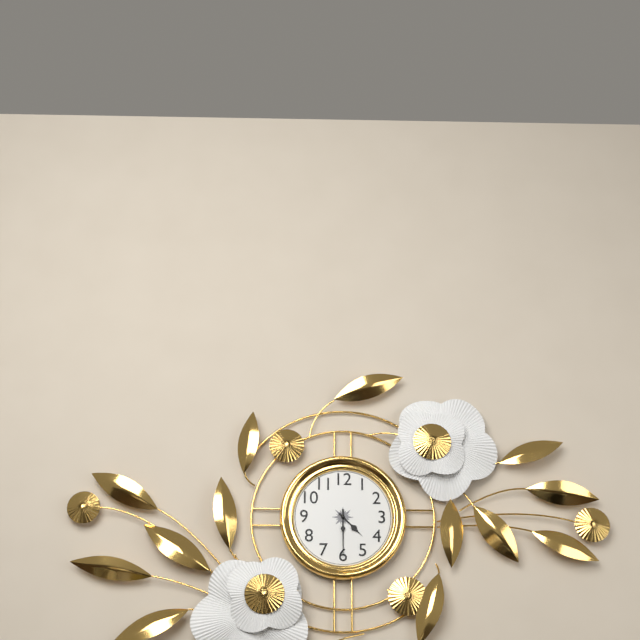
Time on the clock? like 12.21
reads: 4.30
